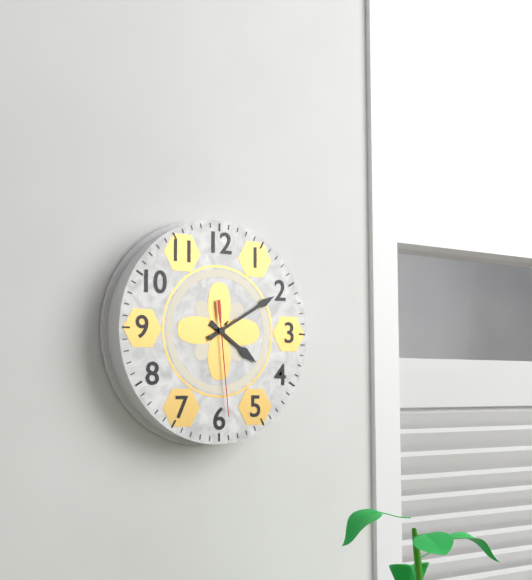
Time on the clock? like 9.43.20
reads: 4.10.29
